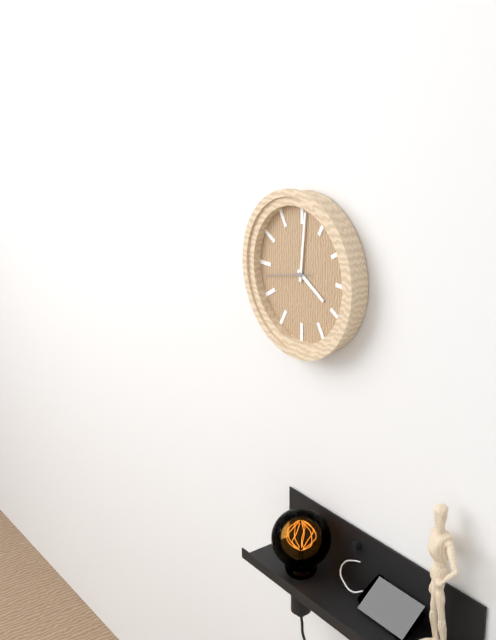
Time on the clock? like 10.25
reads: 4.01
